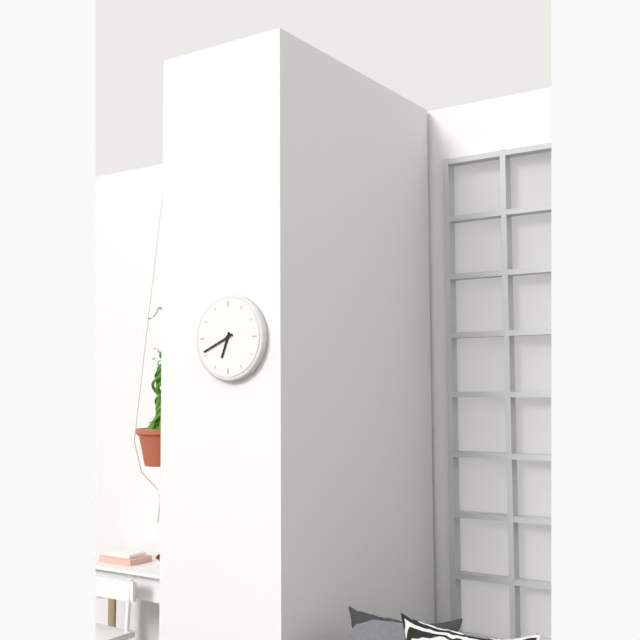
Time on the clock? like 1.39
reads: 6.41
